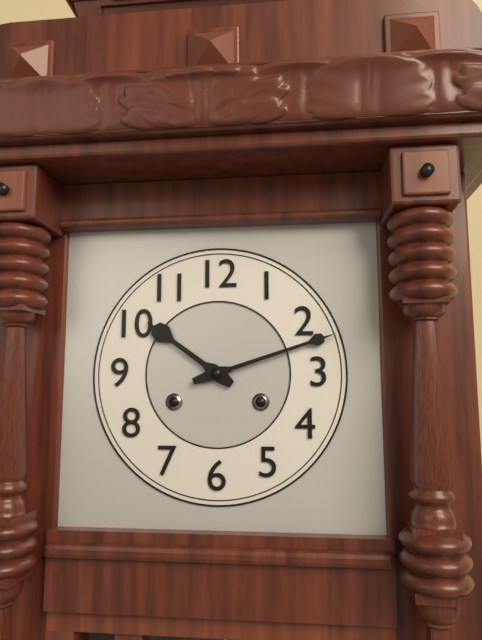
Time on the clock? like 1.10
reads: 10.12
